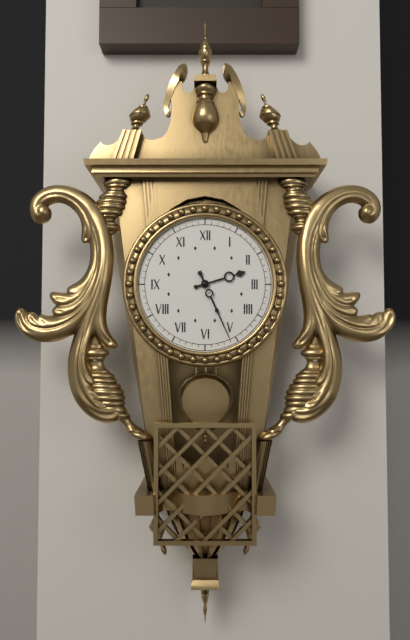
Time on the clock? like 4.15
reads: 2.26
